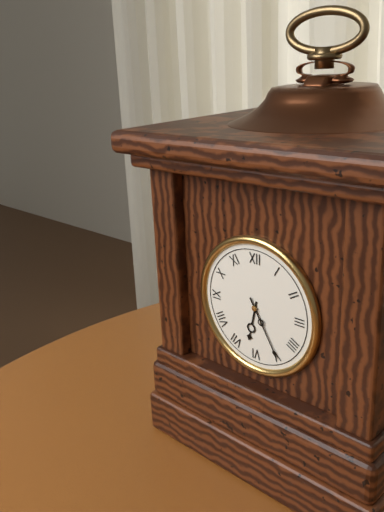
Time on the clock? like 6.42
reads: 6.25
